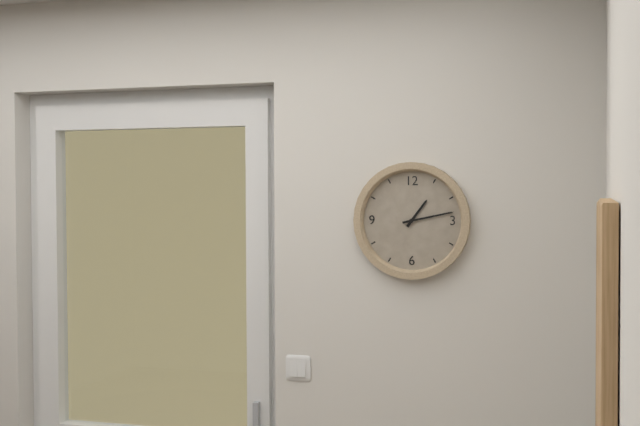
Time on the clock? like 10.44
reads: 1.13
